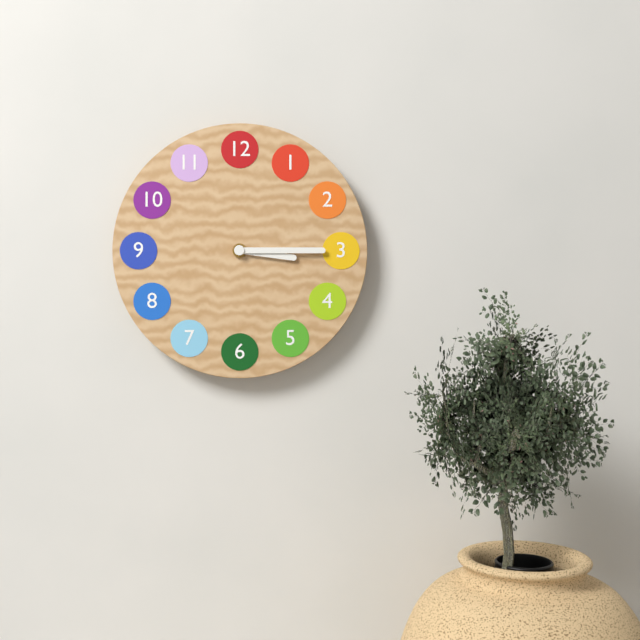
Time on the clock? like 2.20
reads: 3.15
